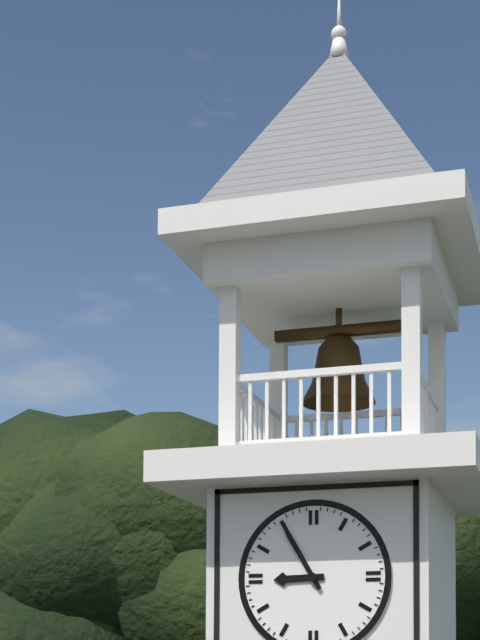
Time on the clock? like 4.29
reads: 8.55
